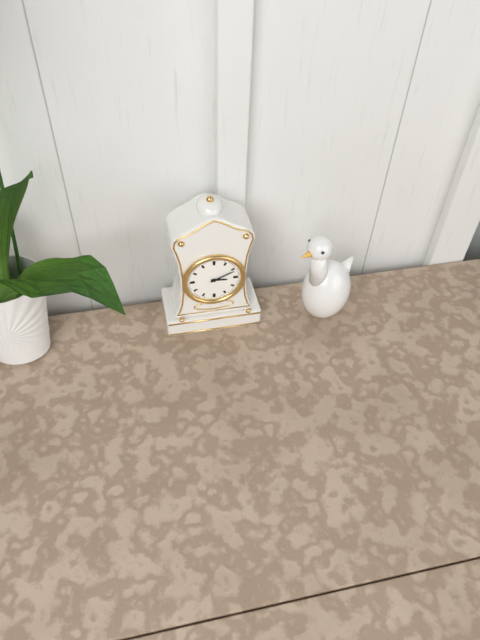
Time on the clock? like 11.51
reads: 3.11
